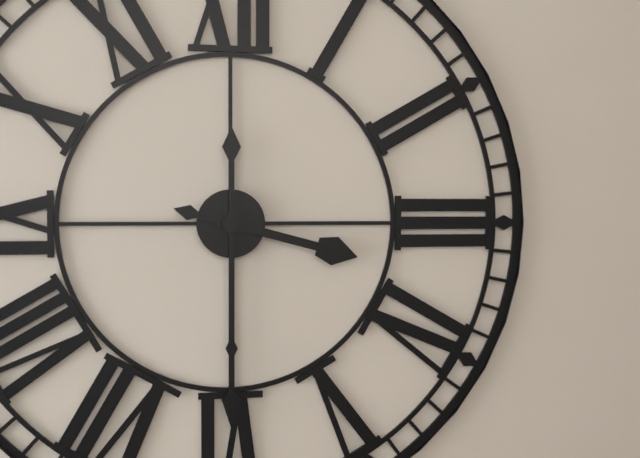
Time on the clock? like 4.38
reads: 3.30
